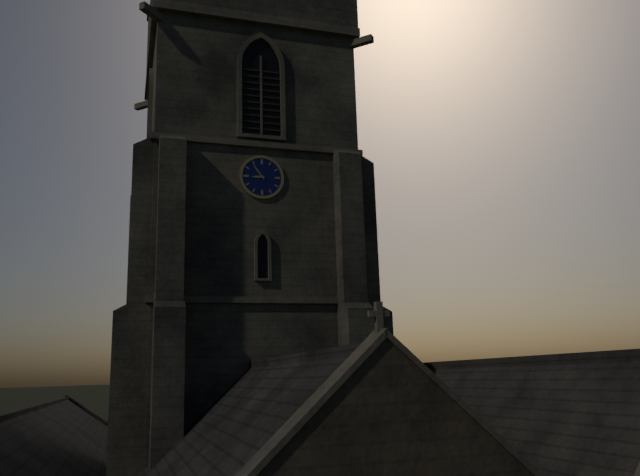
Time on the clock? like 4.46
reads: 8.54
